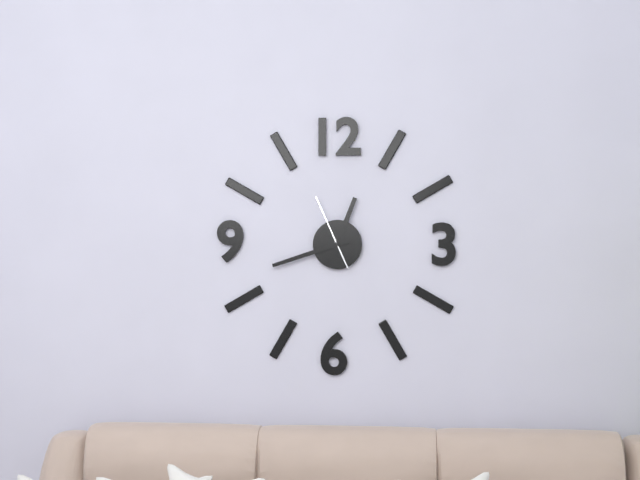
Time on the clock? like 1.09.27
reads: 12.42.56
